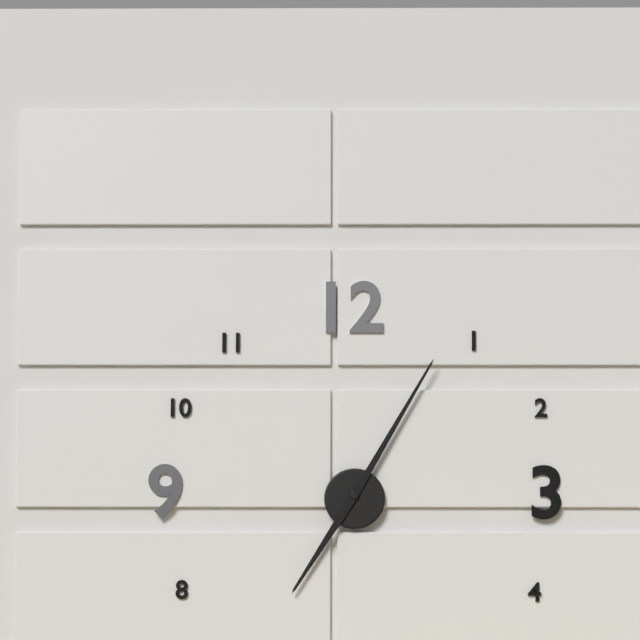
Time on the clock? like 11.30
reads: 7.05
